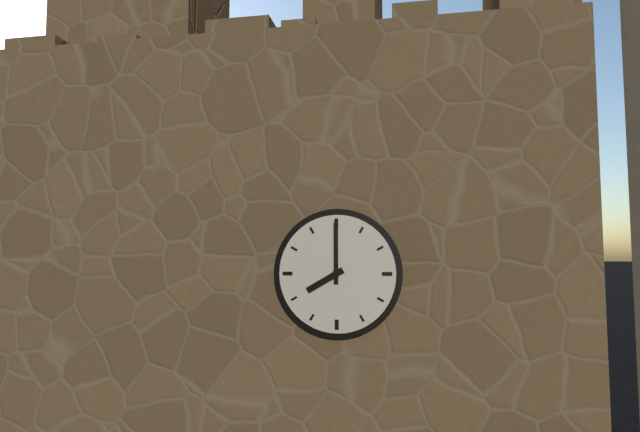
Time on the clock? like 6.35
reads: 8.00
